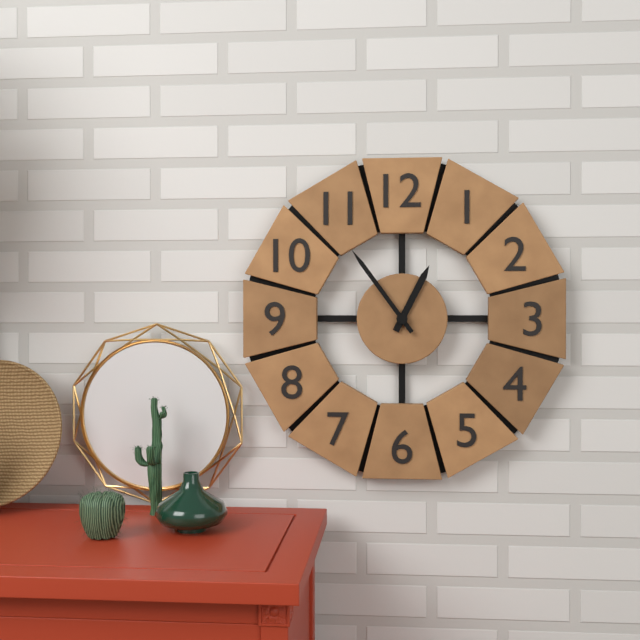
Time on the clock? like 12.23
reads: 12.54
